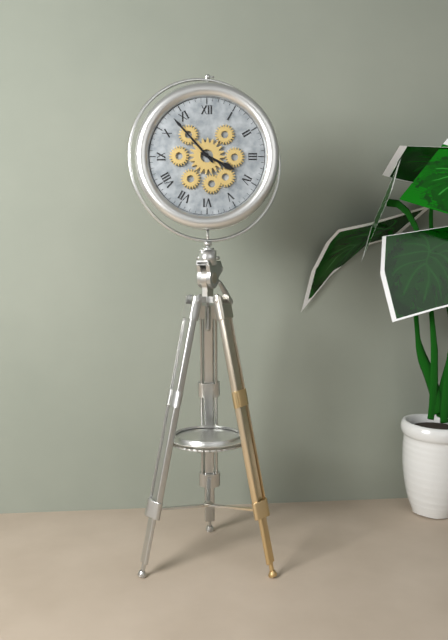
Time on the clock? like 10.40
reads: 3.53
